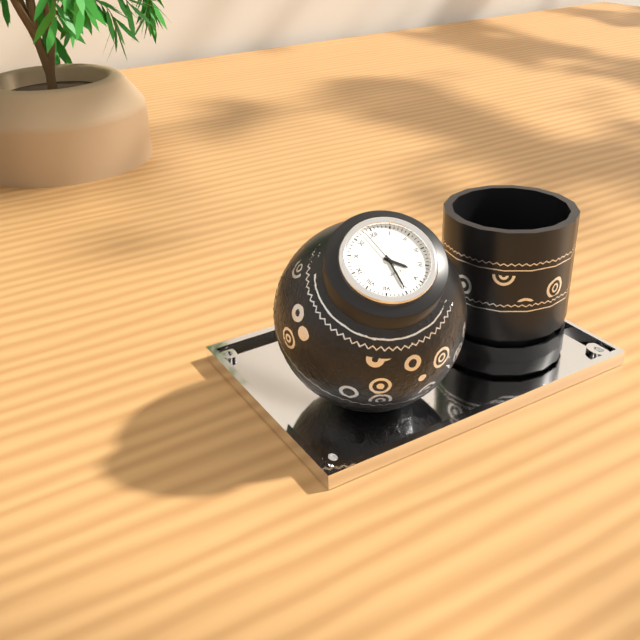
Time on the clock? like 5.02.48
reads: 4.30.58
